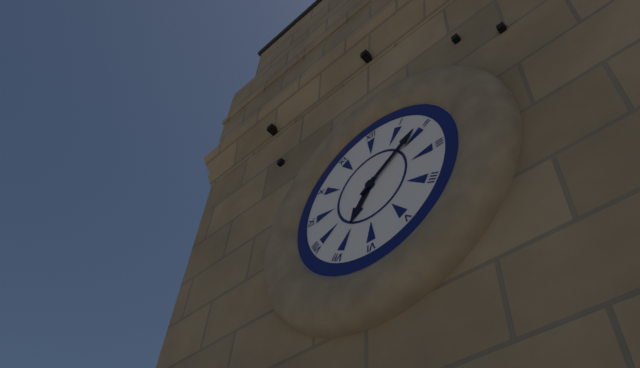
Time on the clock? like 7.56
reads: 7.09
